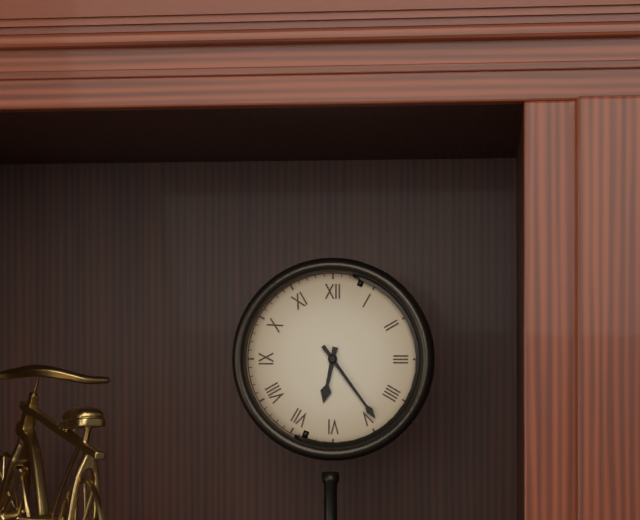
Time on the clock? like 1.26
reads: 6.24
